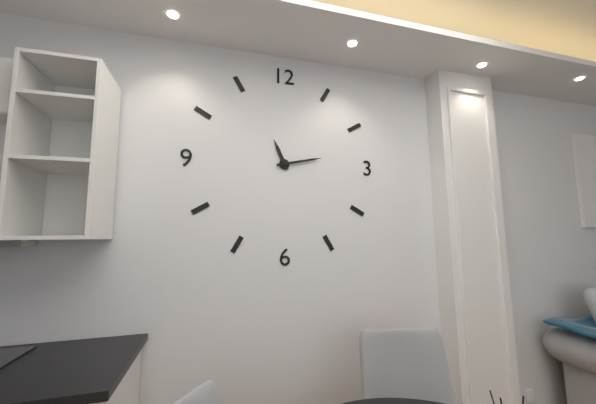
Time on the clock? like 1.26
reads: 11.13
